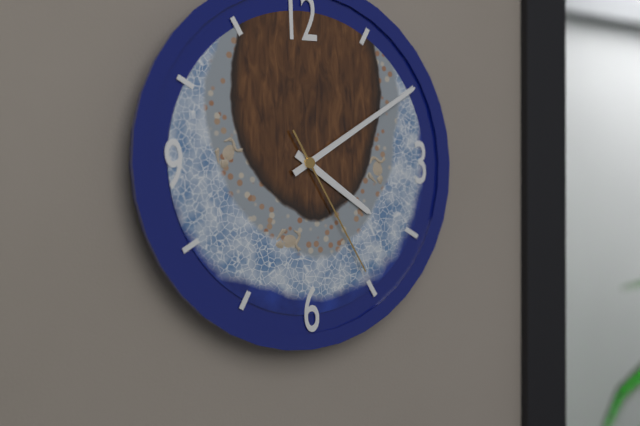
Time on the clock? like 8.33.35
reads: 4.10.25
